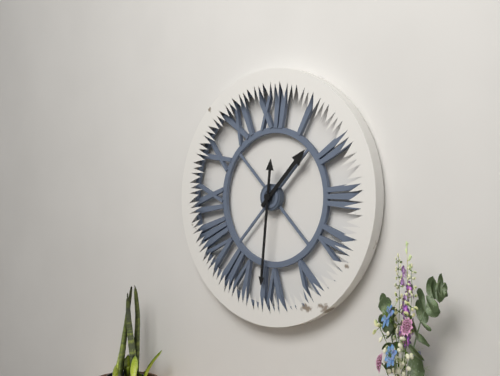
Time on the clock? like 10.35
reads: 1.31
